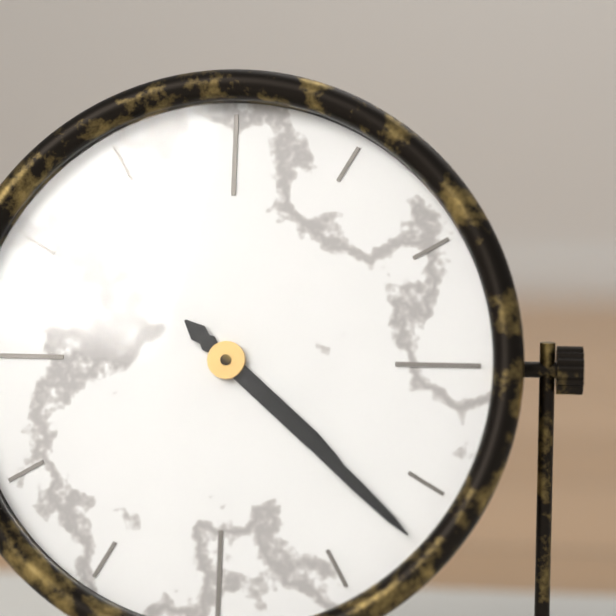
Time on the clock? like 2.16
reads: 4.22
